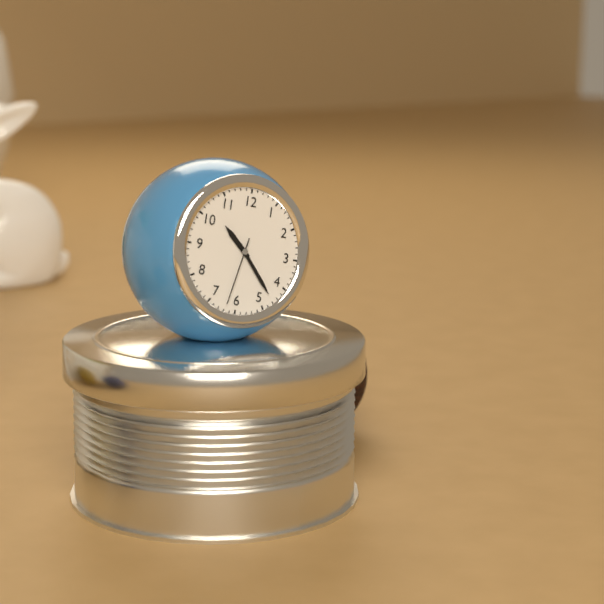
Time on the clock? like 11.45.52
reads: 10.23.32
